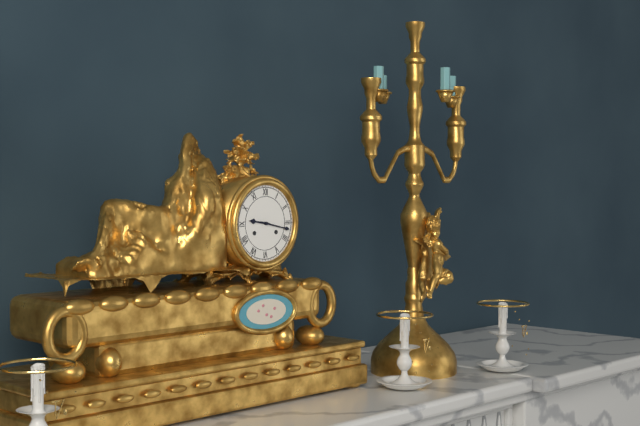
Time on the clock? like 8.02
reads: 9.17
